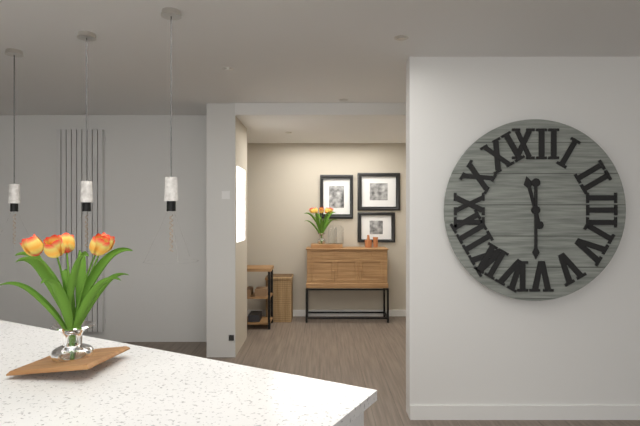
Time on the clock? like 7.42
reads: 11.30
